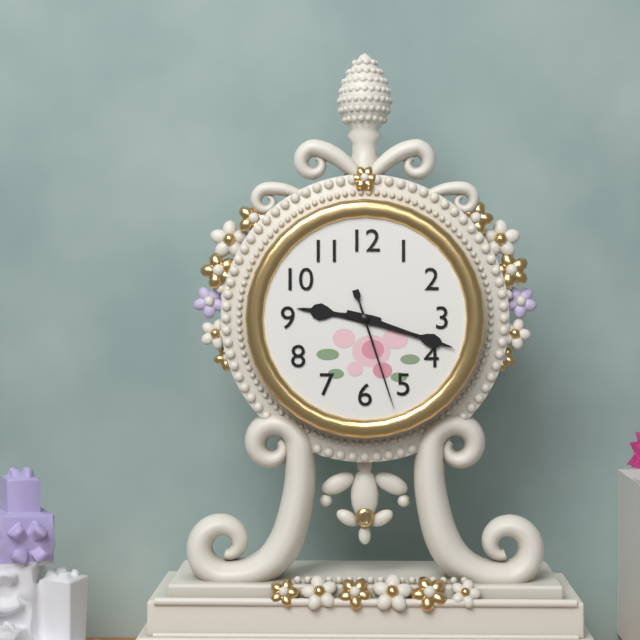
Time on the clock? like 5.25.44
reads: 9.18.27
